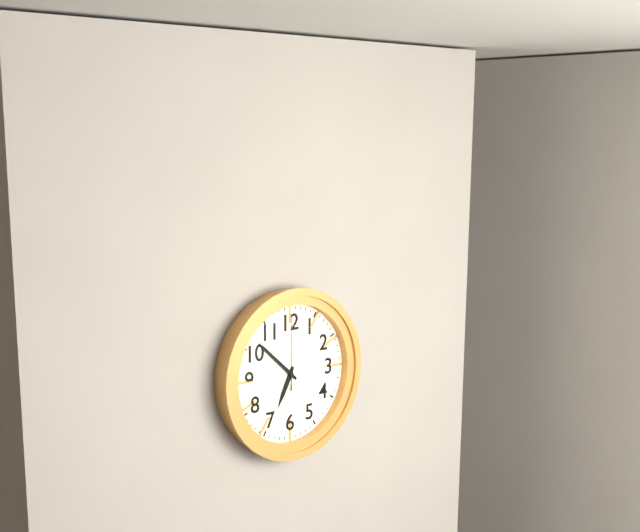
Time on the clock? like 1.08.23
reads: 6.52.00
